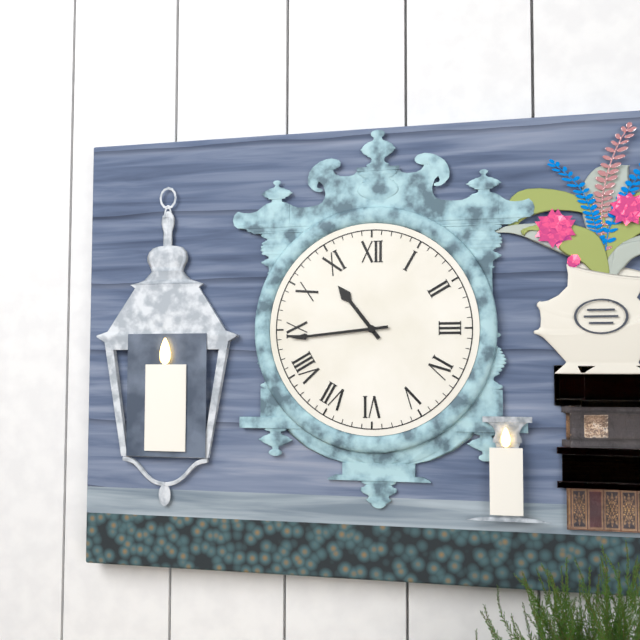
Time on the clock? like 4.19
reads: 10.44
